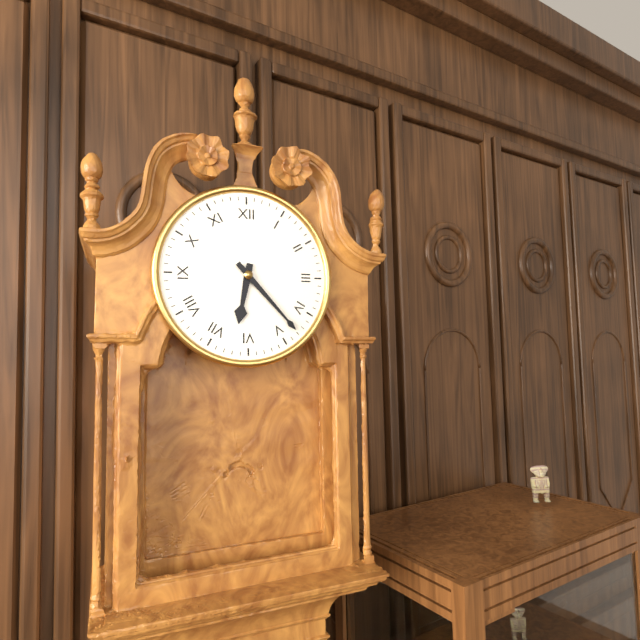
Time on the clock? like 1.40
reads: 6.23
